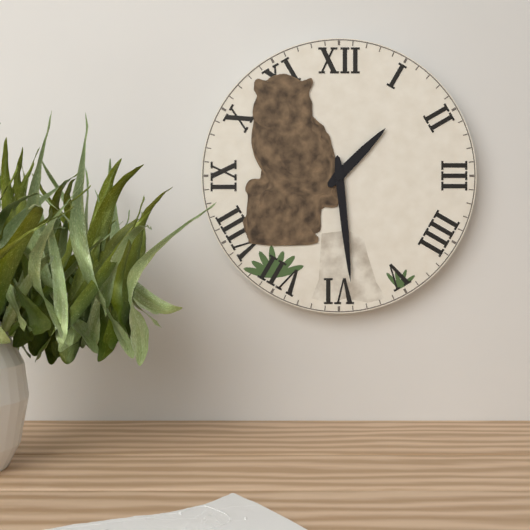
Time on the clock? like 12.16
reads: 1.29
